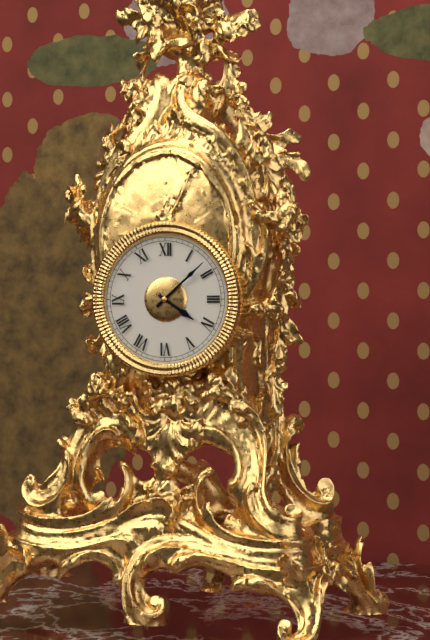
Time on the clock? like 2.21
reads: 4.08
